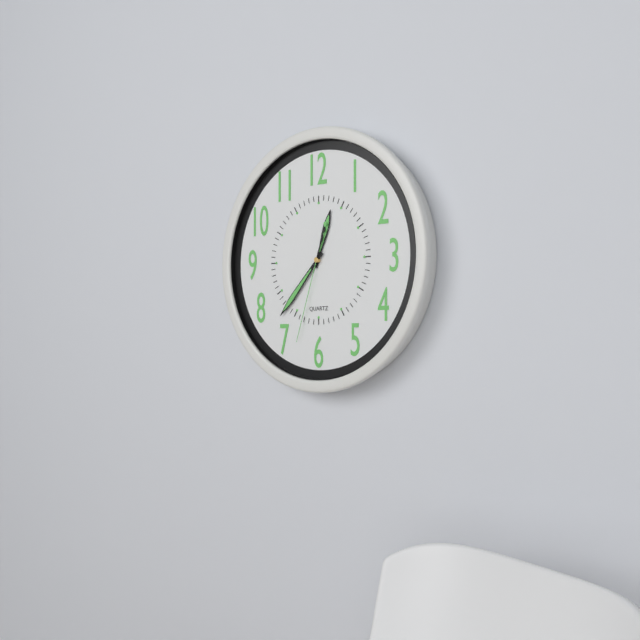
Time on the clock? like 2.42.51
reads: 12.37.33
